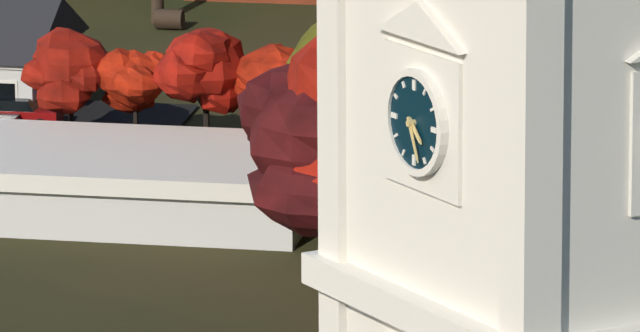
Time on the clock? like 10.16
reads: 4.26
